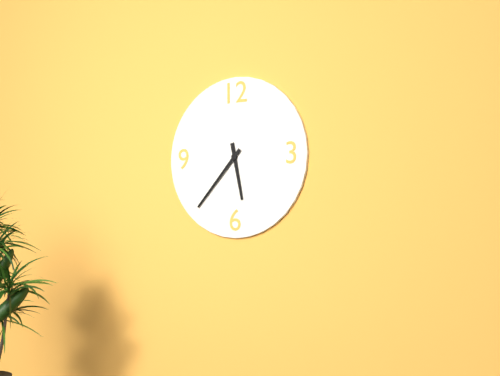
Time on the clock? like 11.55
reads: 5.37
